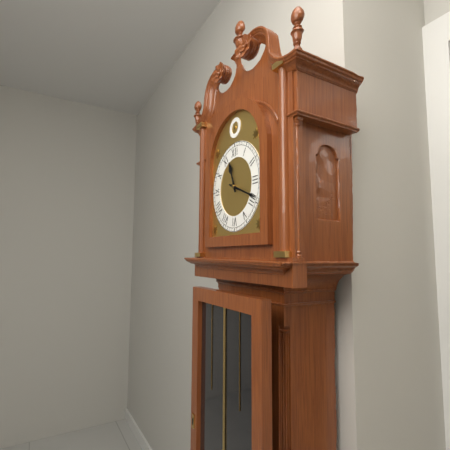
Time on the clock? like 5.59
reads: 11.19
